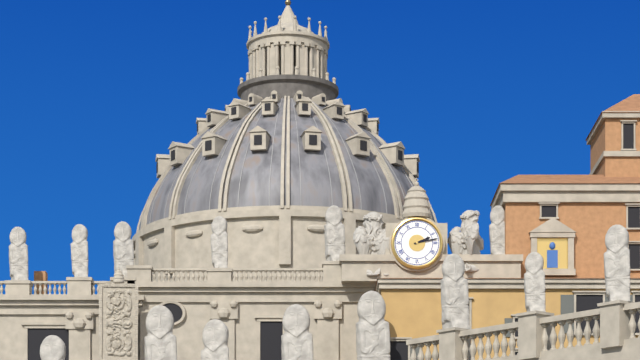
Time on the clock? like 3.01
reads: 2.13
